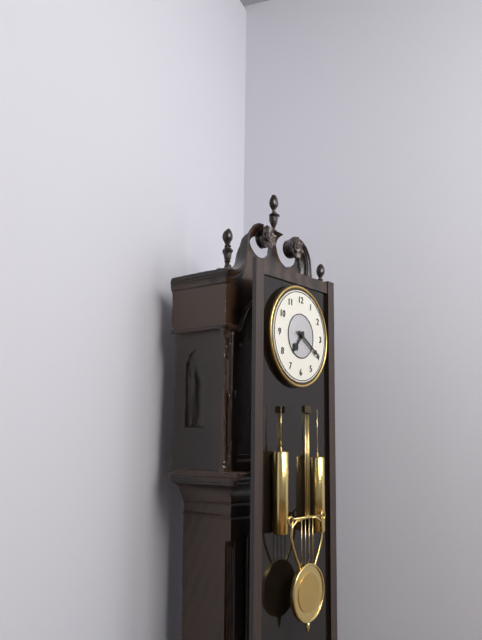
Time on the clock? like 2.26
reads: 7.20
